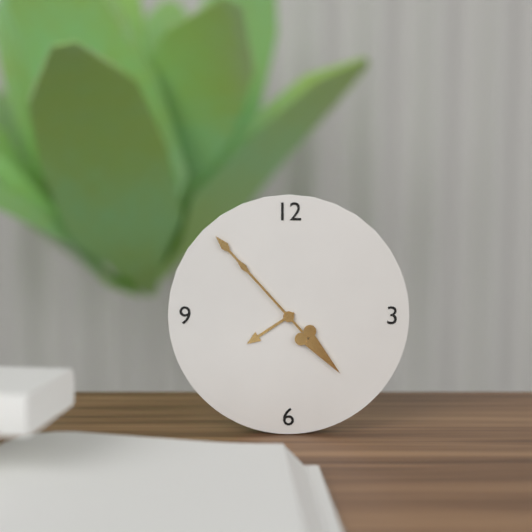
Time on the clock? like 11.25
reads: 7.53
